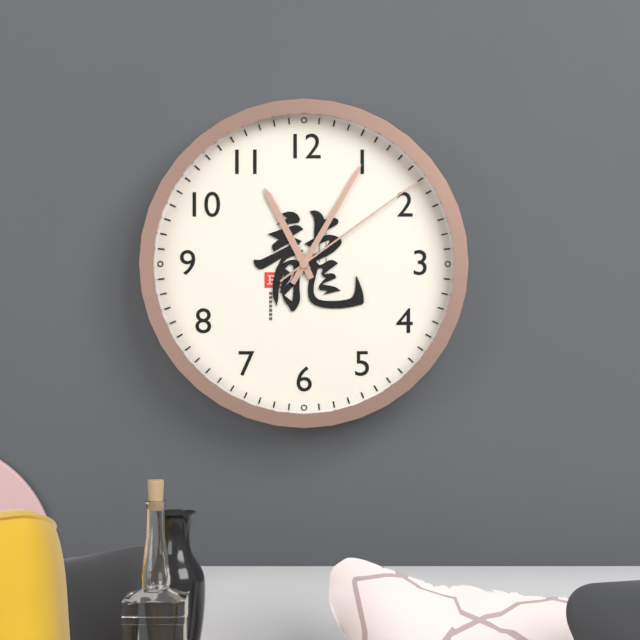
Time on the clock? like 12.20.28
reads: 11.05.09
